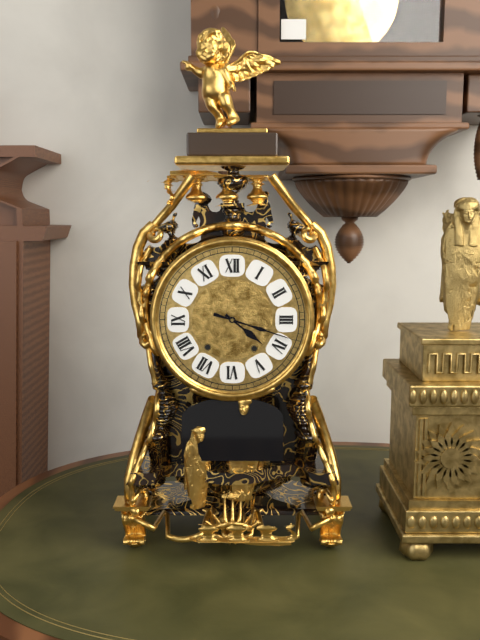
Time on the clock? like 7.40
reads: 4.18
